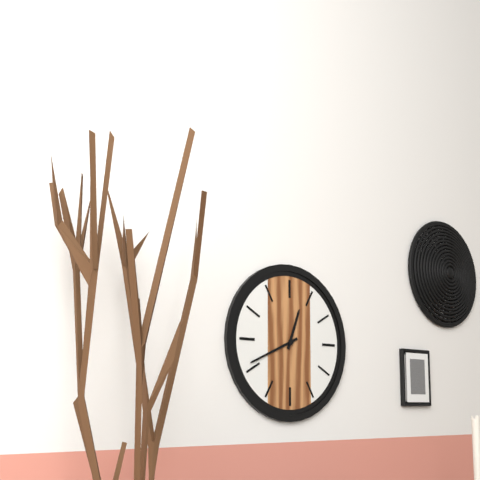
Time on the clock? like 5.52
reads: 12.41
